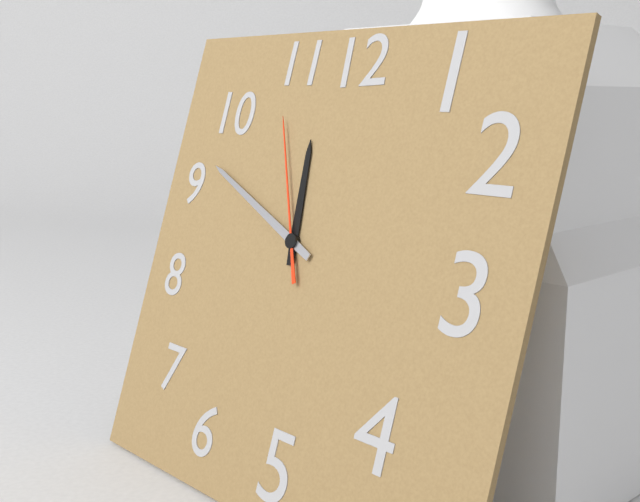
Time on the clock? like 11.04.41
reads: 11.49.56
